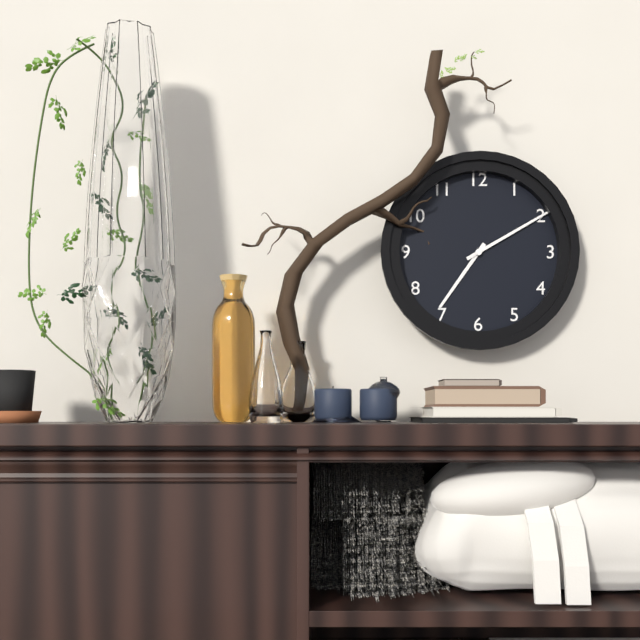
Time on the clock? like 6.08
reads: 7.10
